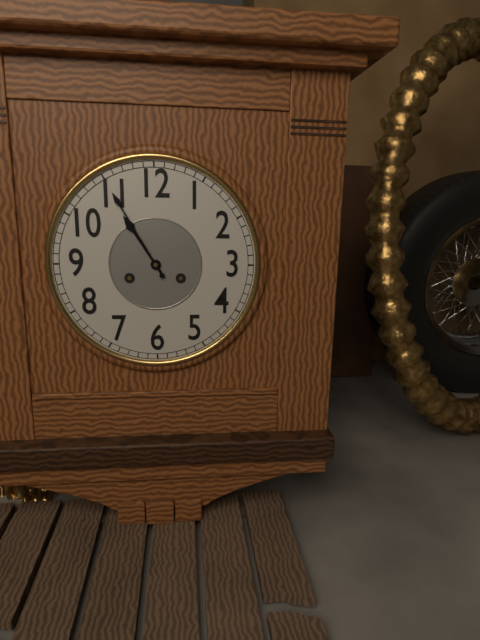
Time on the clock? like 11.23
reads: 10.55
